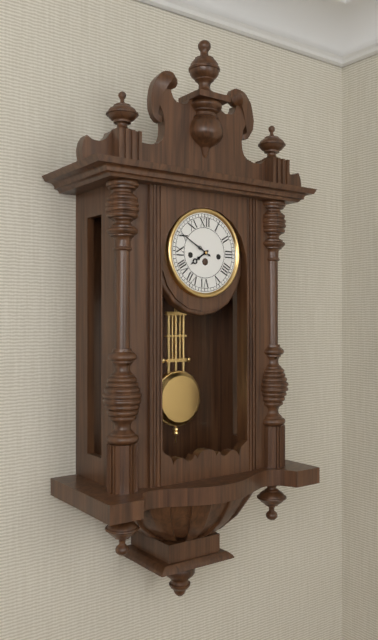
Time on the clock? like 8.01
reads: 7.50
